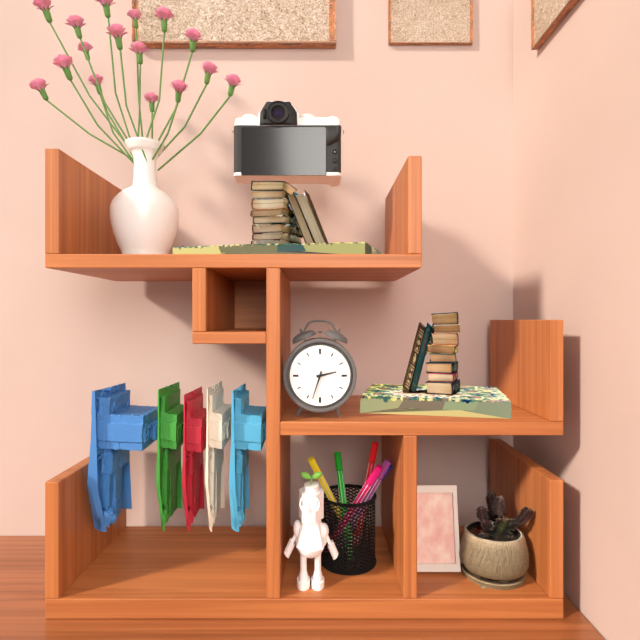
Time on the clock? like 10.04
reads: 2.33
